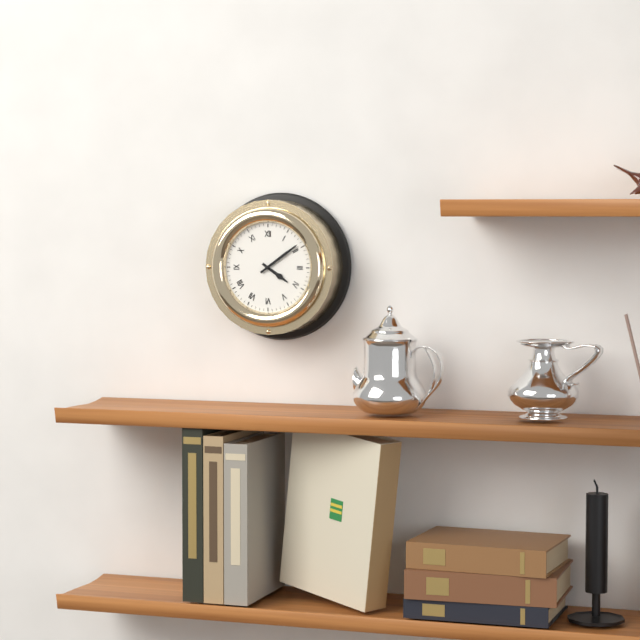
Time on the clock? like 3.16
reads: 4.09
